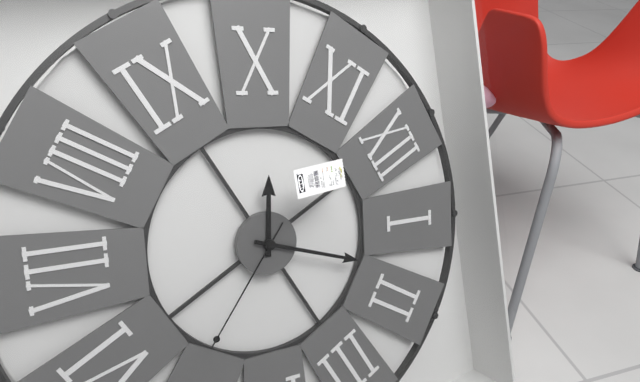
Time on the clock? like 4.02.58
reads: 10.08.26
